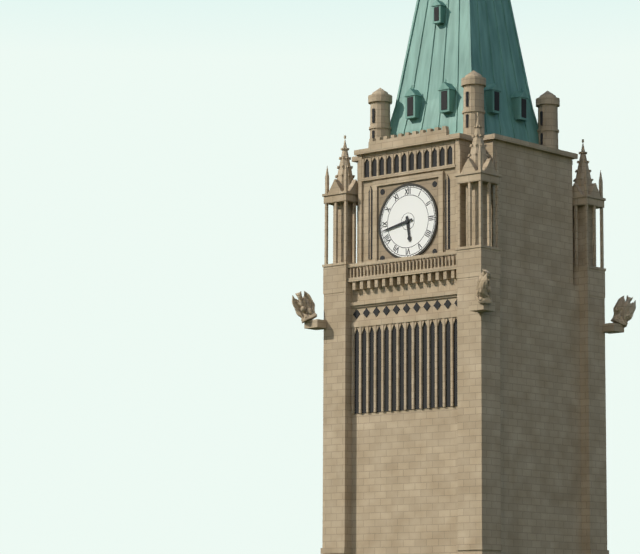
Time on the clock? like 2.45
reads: 5.43
